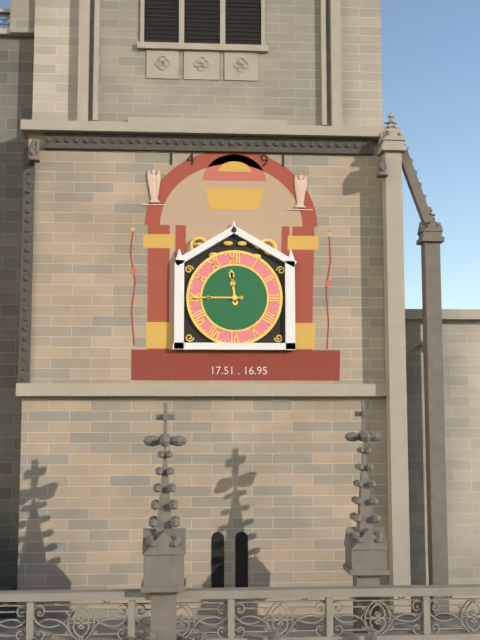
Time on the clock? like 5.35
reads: 11.45
